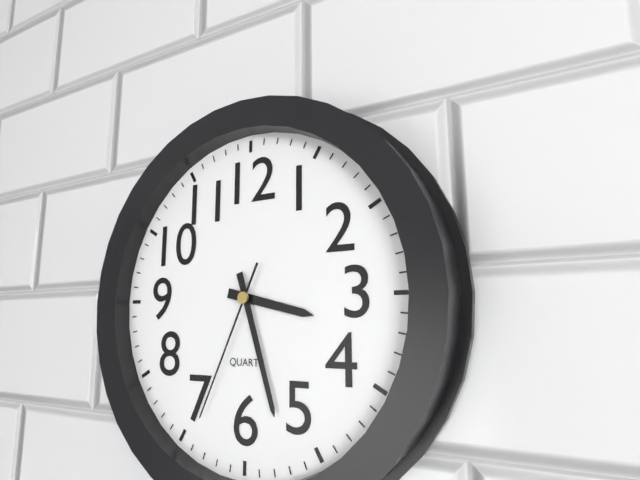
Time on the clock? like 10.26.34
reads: 3.27.34
